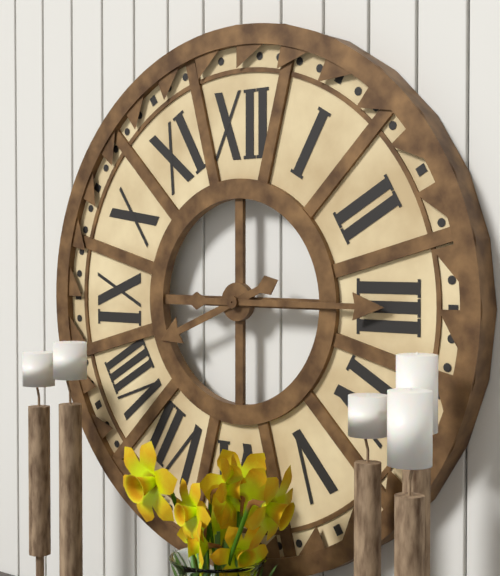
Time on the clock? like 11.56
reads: 8.15
